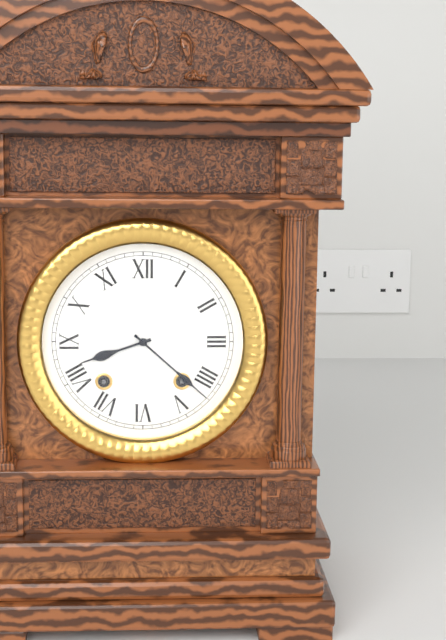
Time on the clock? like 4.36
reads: 8.22
